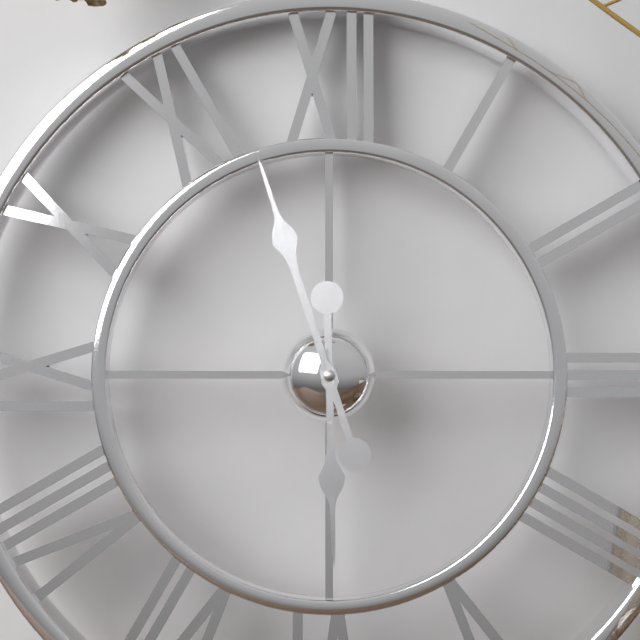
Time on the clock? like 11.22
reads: 5.57
